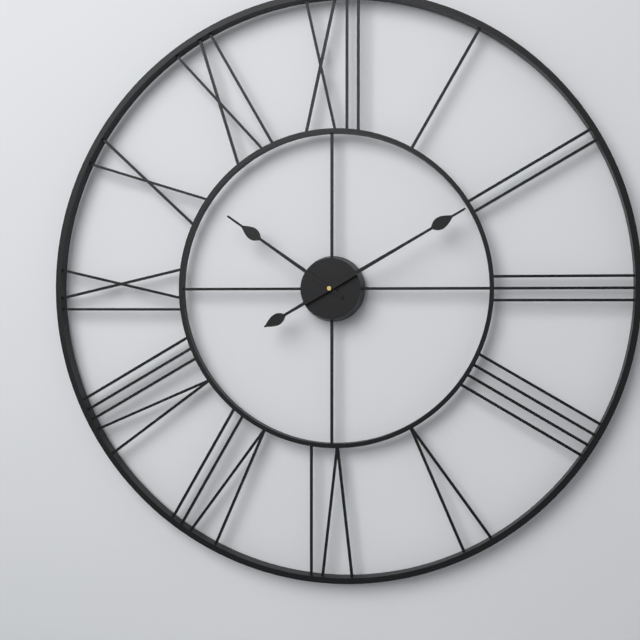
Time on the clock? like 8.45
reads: 10.10
